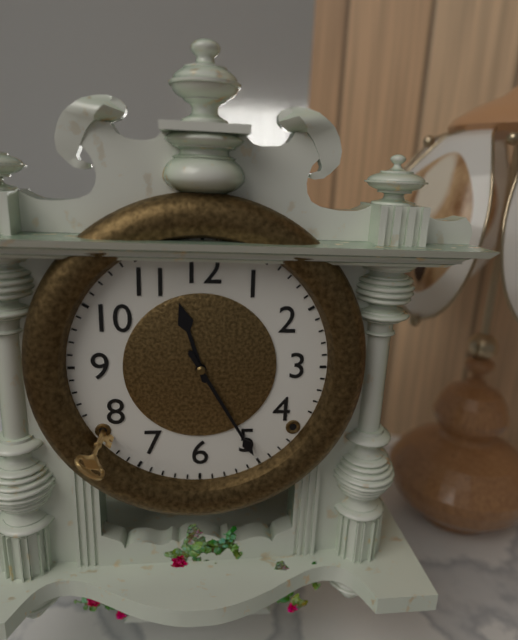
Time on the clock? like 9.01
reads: 11.25
